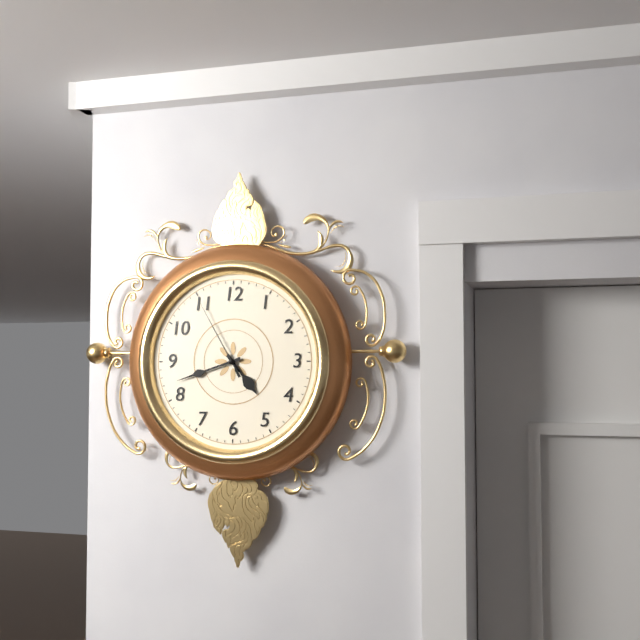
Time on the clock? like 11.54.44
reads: 4.42.55
